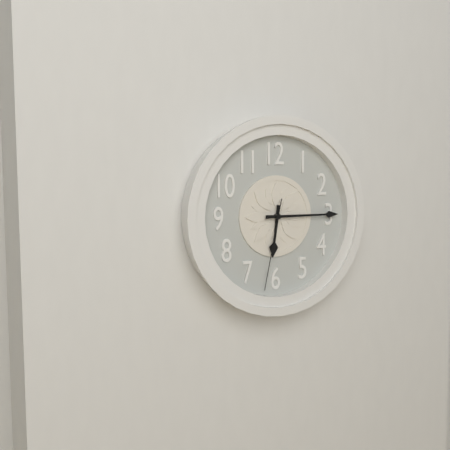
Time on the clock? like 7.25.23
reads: 6.15.32
